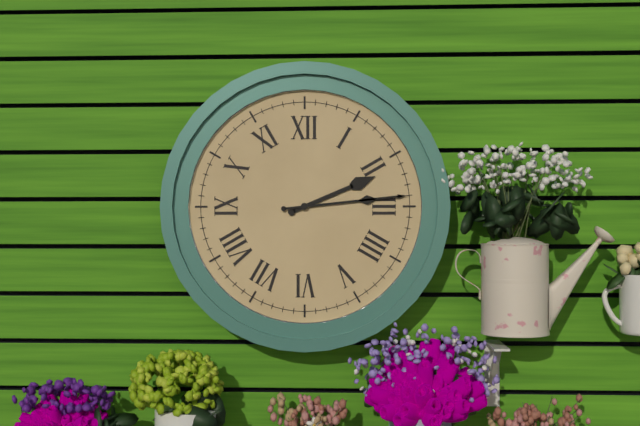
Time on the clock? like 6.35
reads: 2.14
